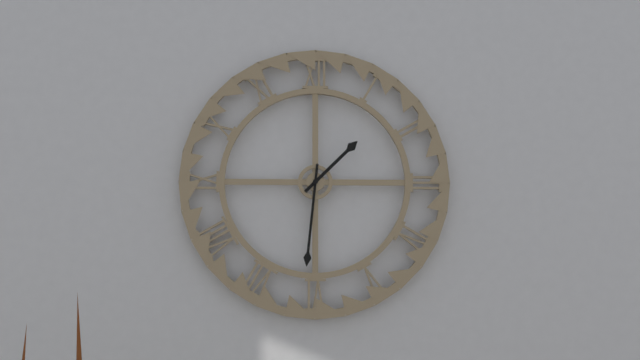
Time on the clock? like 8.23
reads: 1.31
